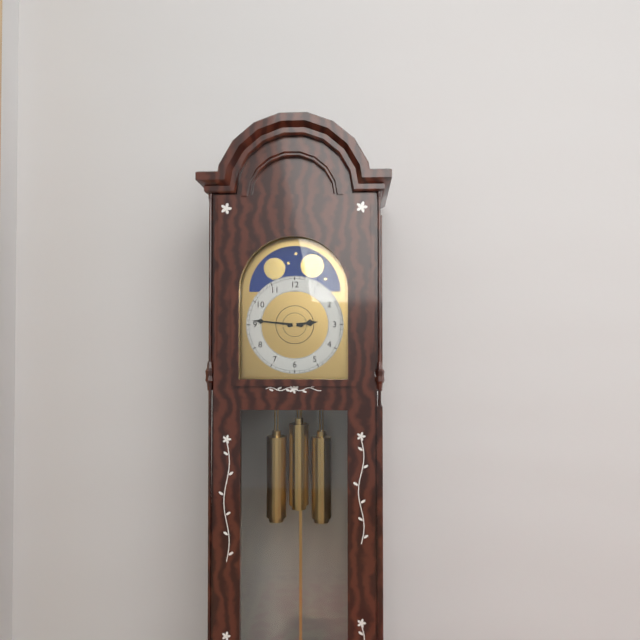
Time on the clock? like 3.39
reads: 2.46
